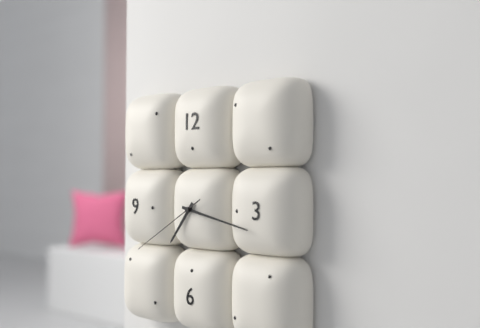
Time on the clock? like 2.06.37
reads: 7.17.40
